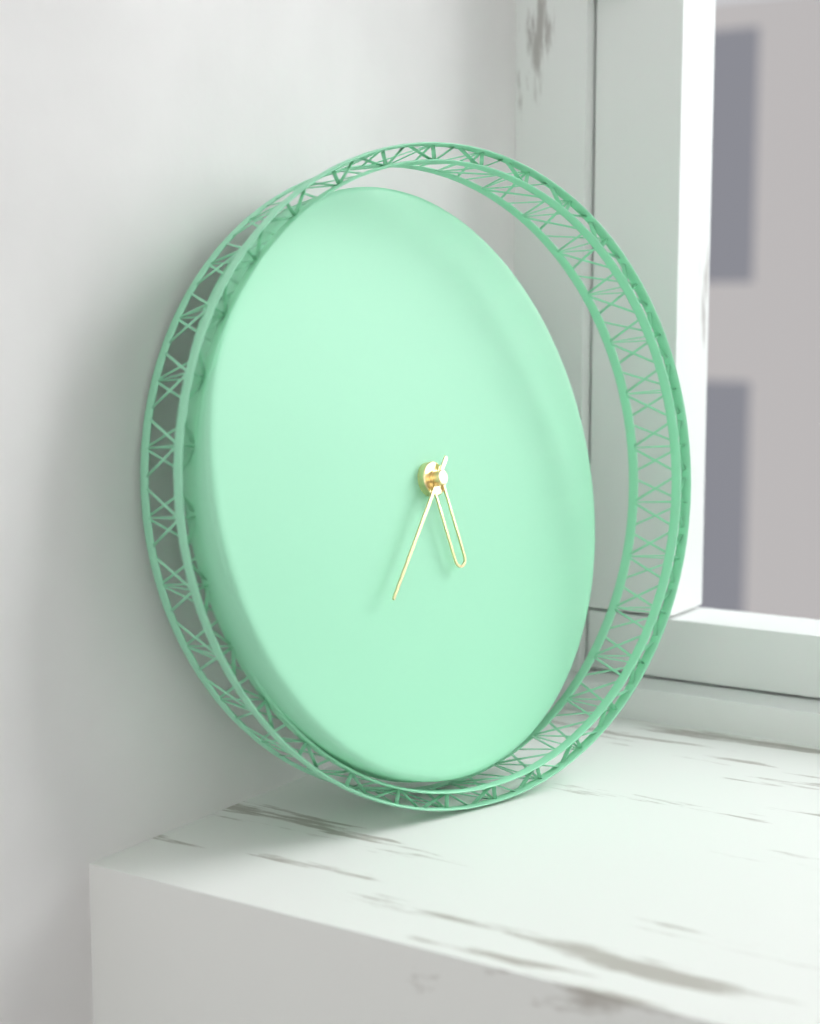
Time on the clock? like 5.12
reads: 5.37
